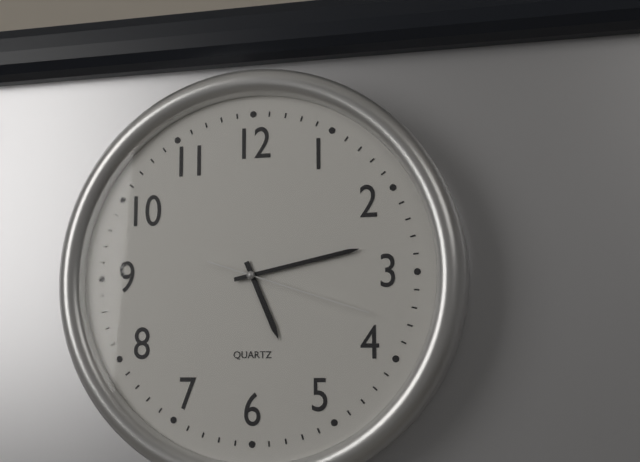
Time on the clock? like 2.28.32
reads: 5.13.18
